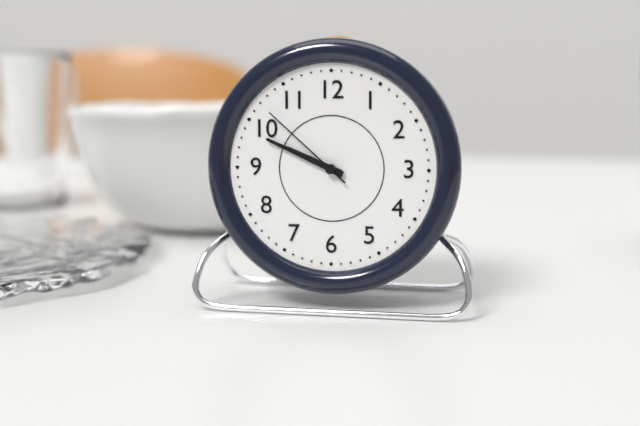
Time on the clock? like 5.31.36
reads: 9.49.52
